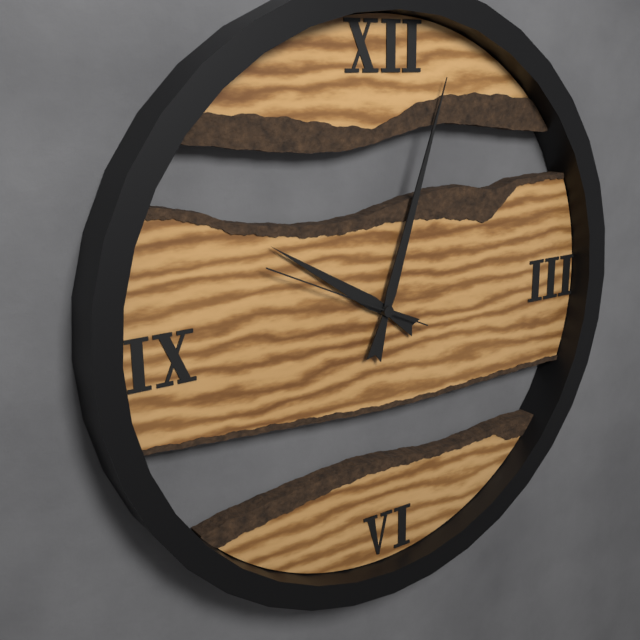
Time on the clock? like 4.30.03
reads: 10.03.49
